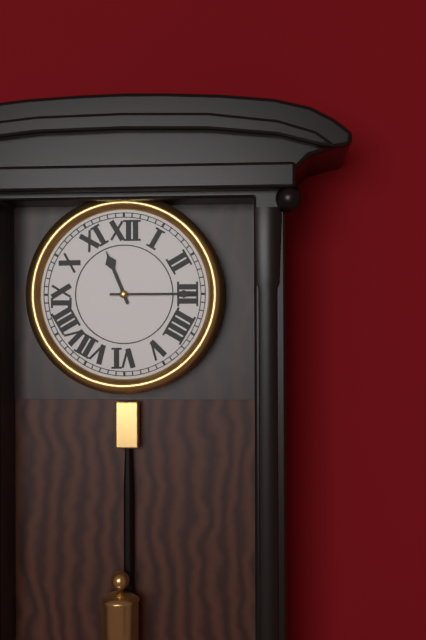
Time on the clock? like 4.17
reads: 11.15
